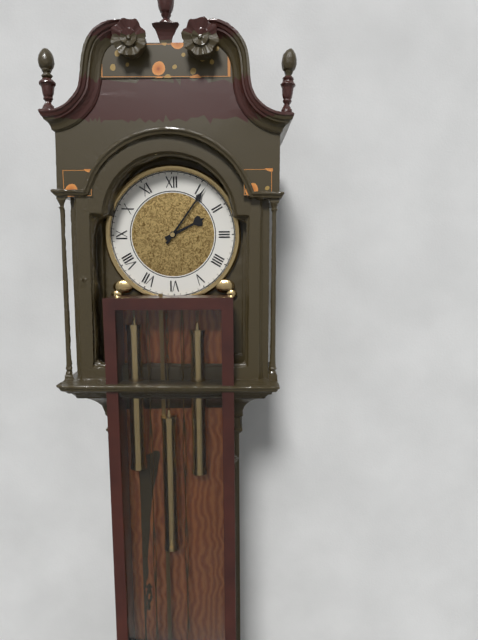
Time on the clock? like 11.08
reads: 2.06
